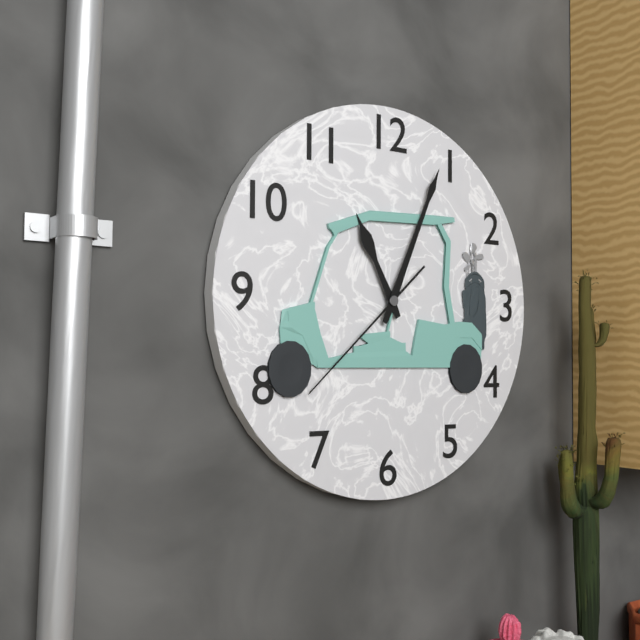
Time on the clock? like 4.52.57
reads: 11.04.38
